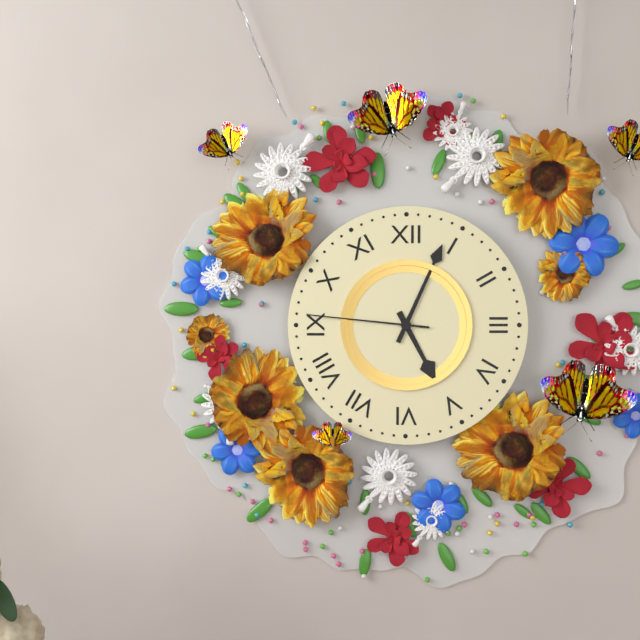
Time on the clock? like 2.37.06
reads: 5.04.46
